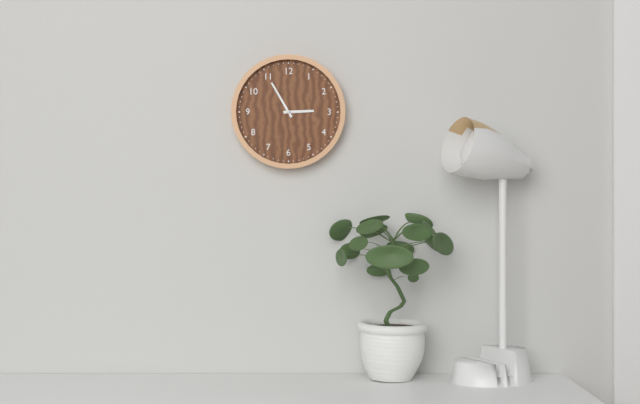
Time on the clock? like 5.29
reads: 2.55
